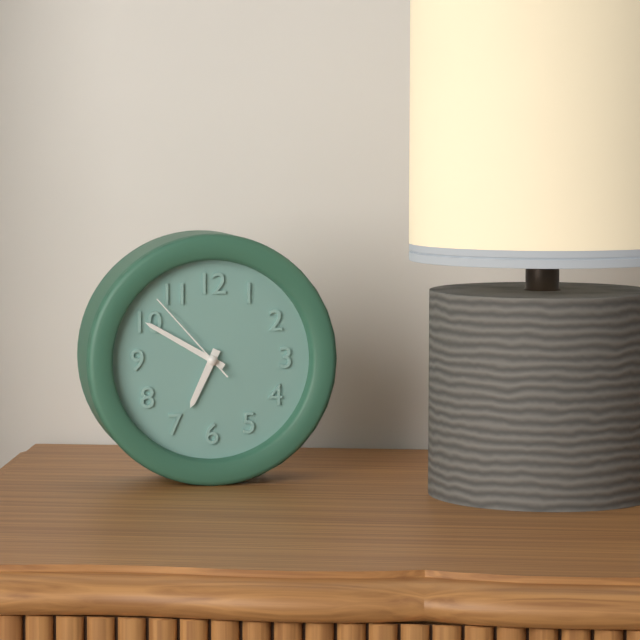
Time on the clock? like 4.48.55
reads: 6.50.53
